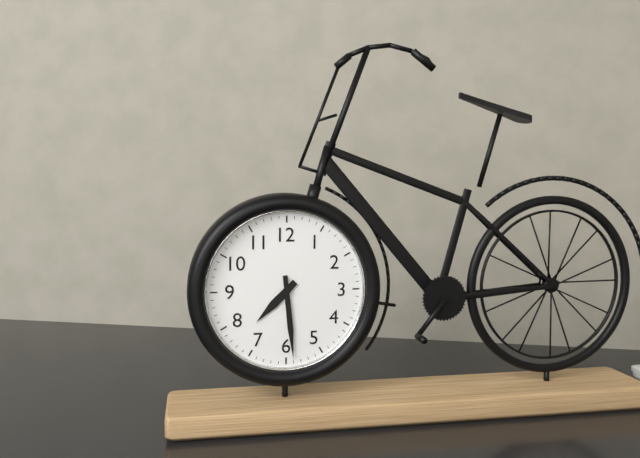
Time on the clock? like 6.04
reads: 7.29
